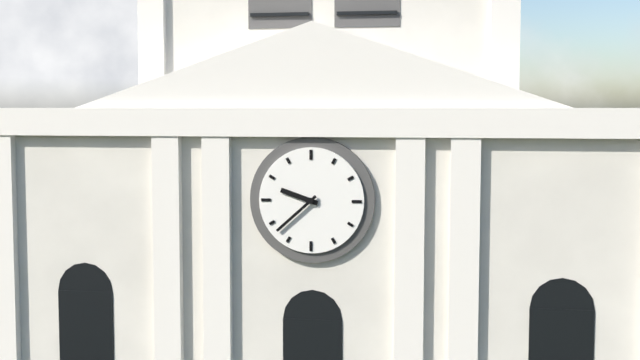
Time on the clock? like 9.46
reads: 9.38
